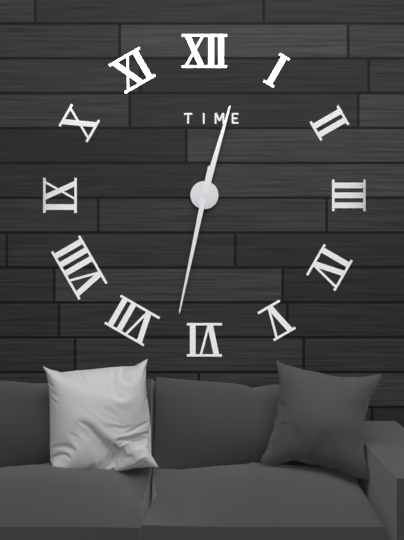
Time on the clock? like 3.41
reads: 12.32
